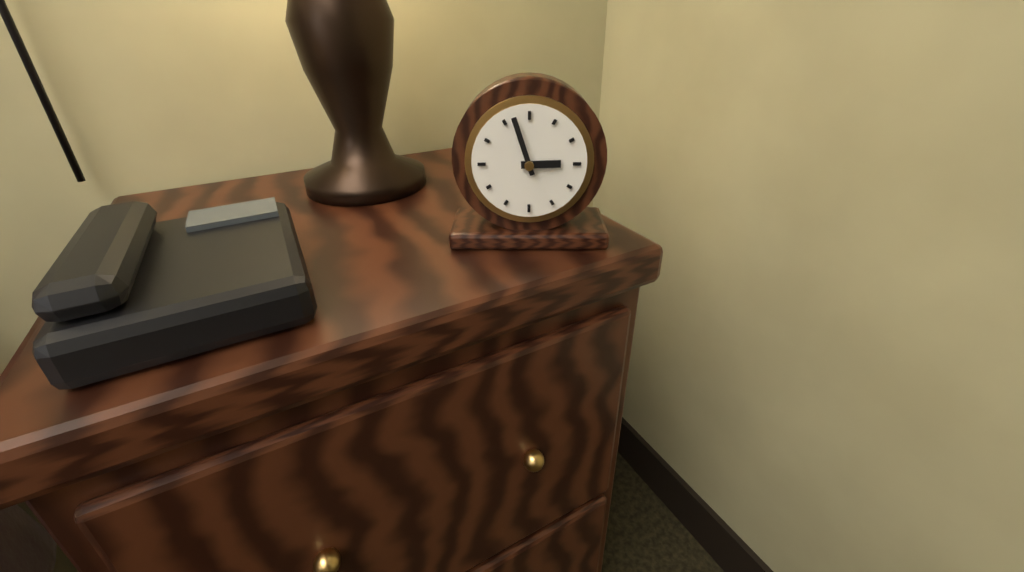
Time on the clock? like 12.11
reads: 2.57
